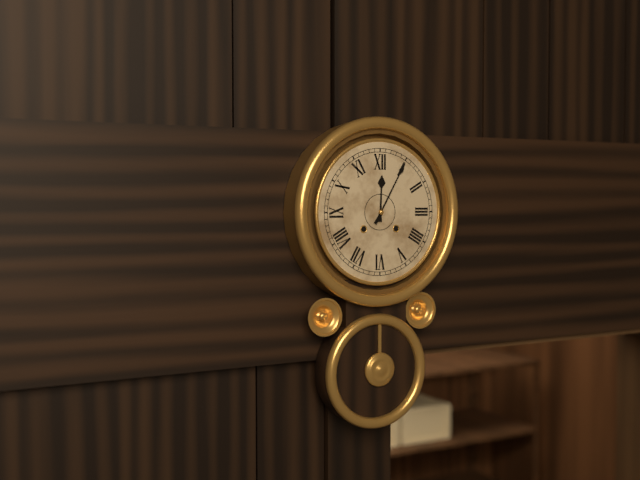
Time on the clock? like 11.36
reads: 12.05
